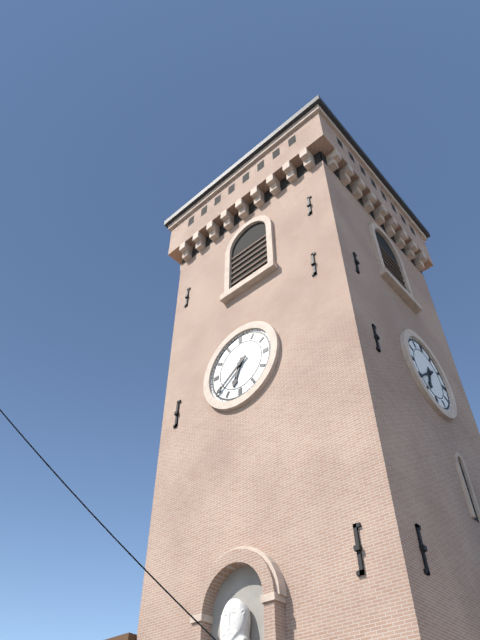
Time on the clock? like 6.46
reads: 6.39
